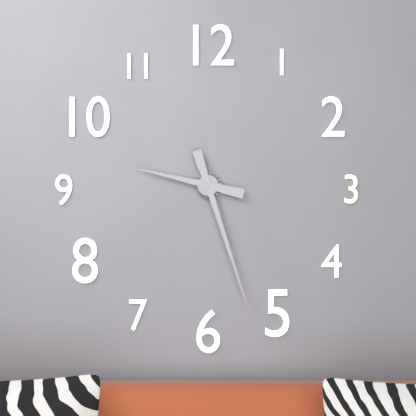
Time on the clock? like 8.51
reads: 9.27
